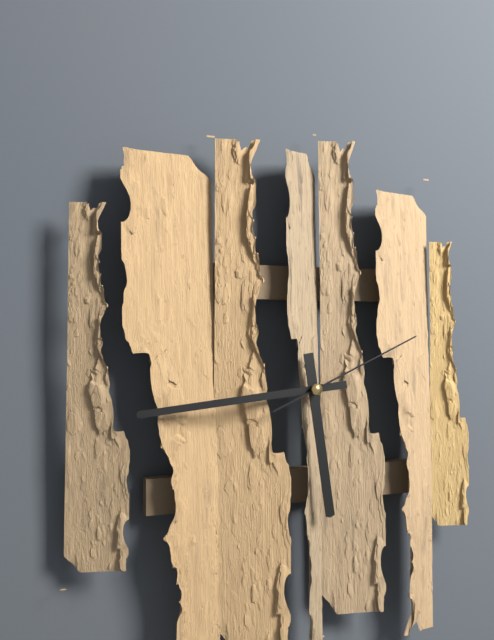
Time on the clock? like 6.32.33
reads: 5.44.11
